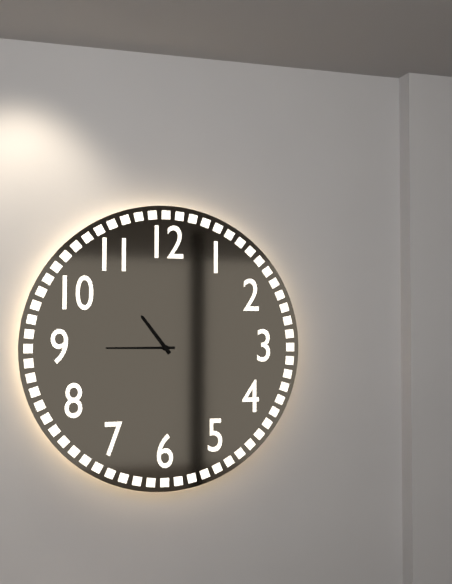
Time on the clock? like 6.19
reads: 10.45
